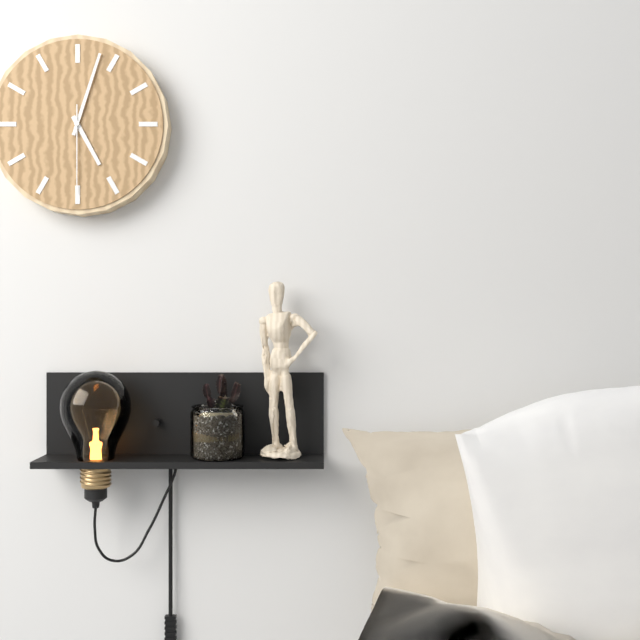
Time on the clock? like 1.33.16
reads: 5.03.30
